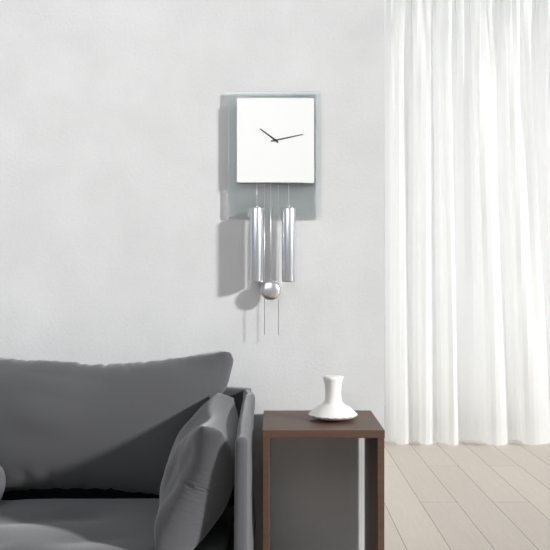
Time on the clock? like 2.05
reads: 10.13
